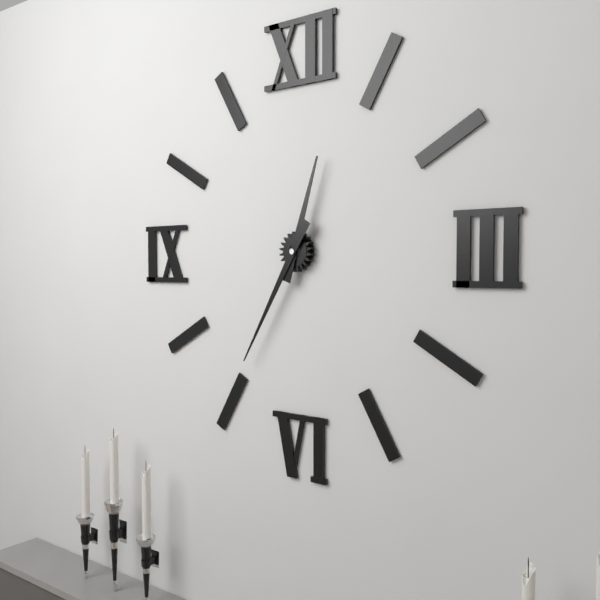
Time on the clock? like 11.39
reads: 12.35
